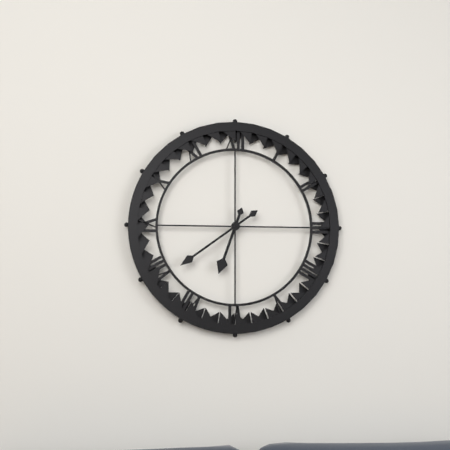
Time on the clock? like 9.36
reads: 6.39
